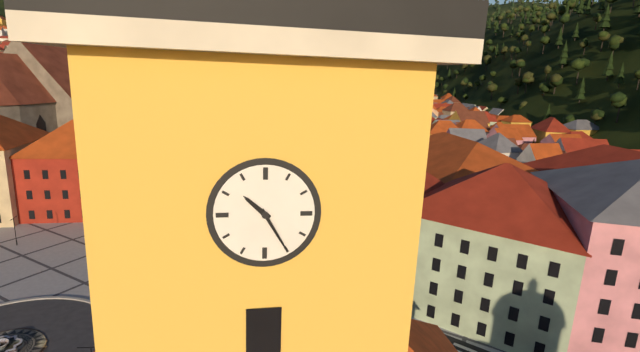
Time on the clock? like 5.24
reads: 10.25
